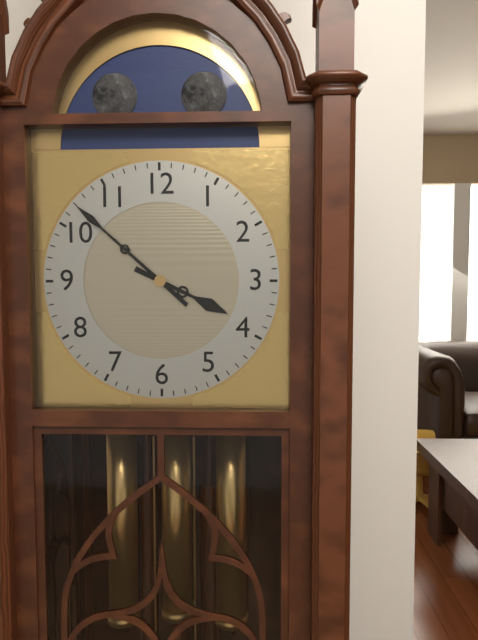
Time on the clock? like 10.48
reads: 3.52
